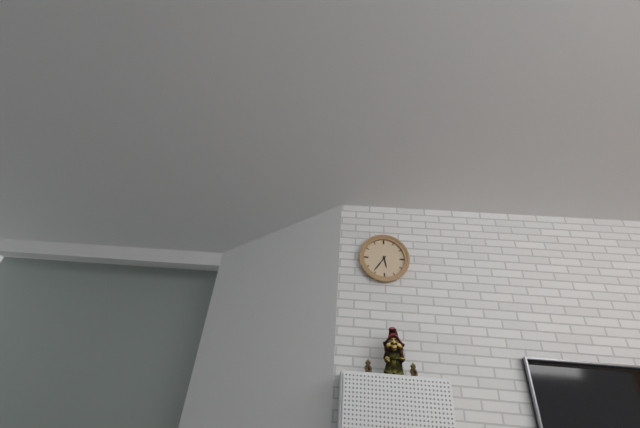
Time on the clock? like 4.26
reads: 5.36
